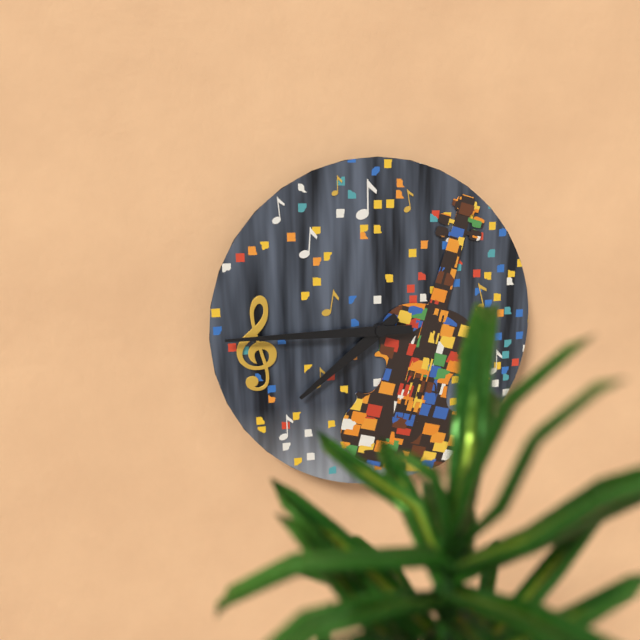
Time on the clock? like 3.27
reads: 7.45
